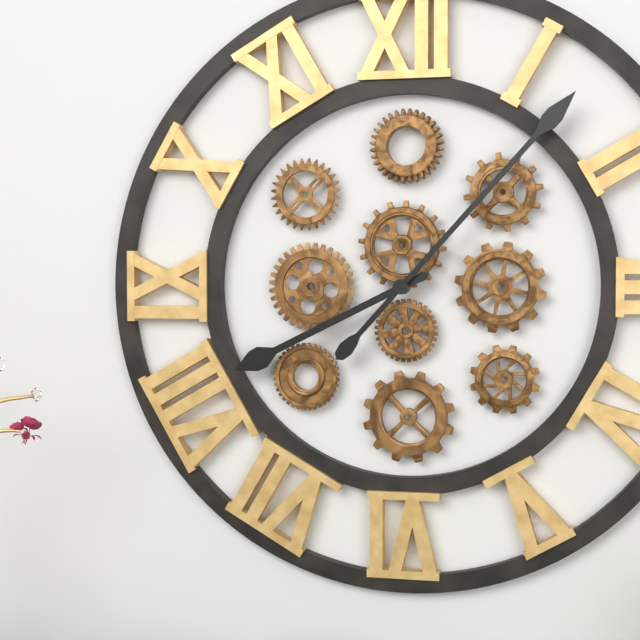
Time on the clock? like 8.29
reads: 8.07
